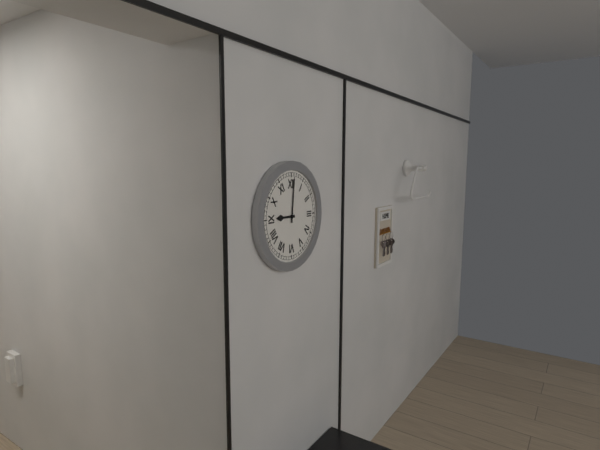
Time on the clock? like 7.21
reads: 9.01
